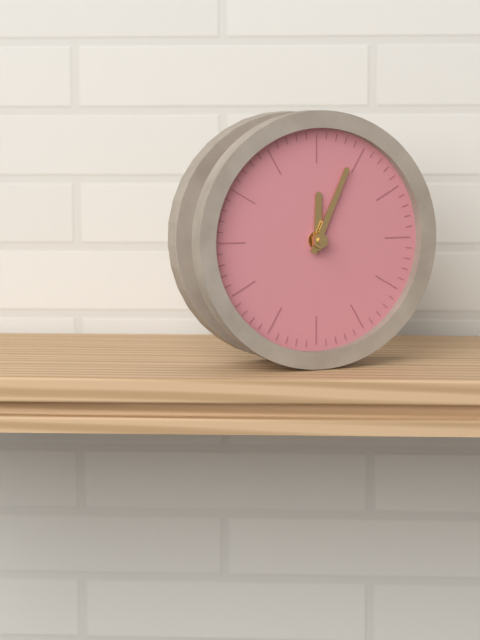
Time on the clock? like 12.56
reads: 12.04
